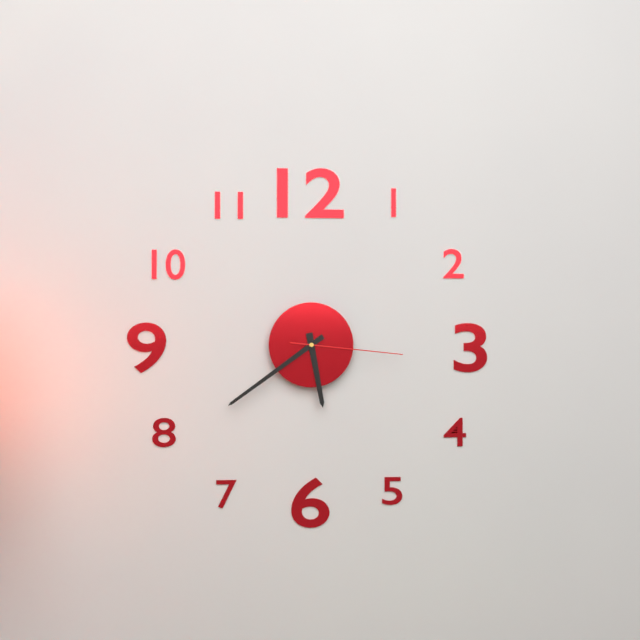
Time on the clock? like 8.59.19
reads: 5.39.16
